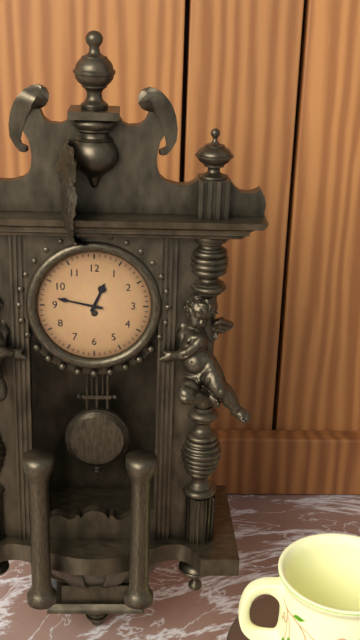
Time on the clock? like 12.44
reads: 12.47
